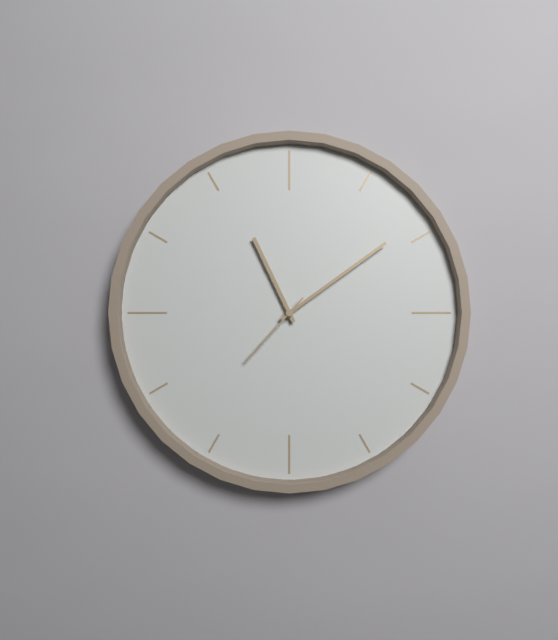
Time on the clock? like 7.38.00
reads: 11.09.37
